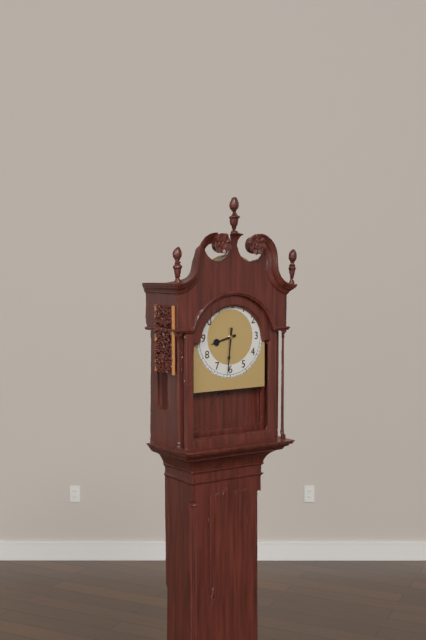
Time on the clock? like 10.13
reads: 8.31
